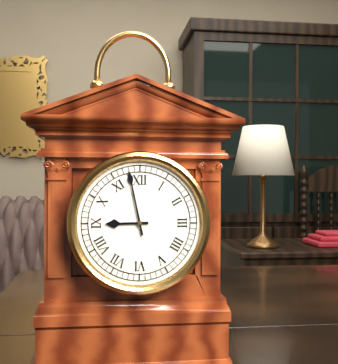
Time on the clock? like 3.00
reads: 8.58
